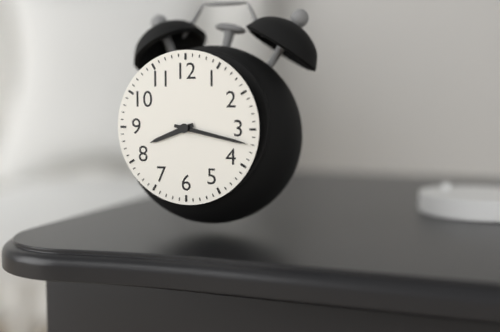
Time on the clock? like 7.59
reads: 8.17
